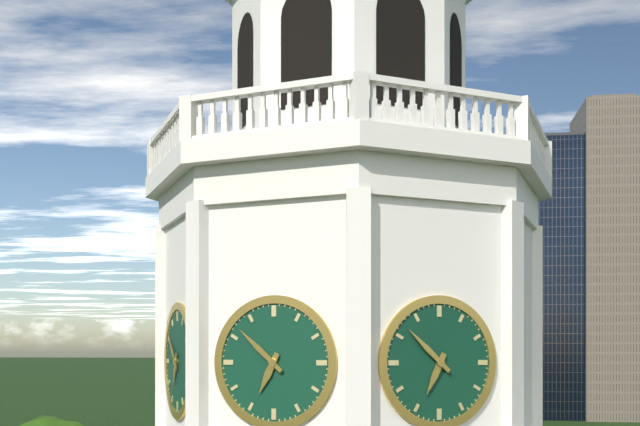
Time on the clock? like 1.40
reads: 6.52
